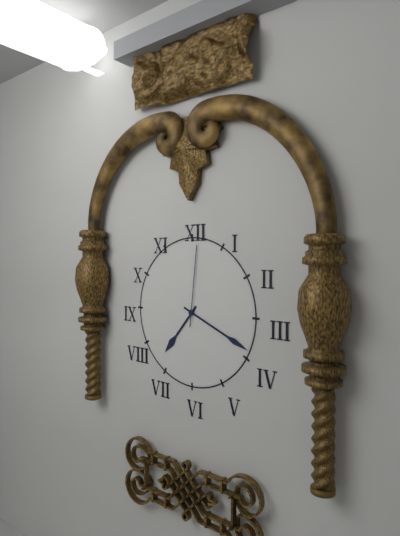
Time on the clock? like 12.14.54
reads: 7.19.01
